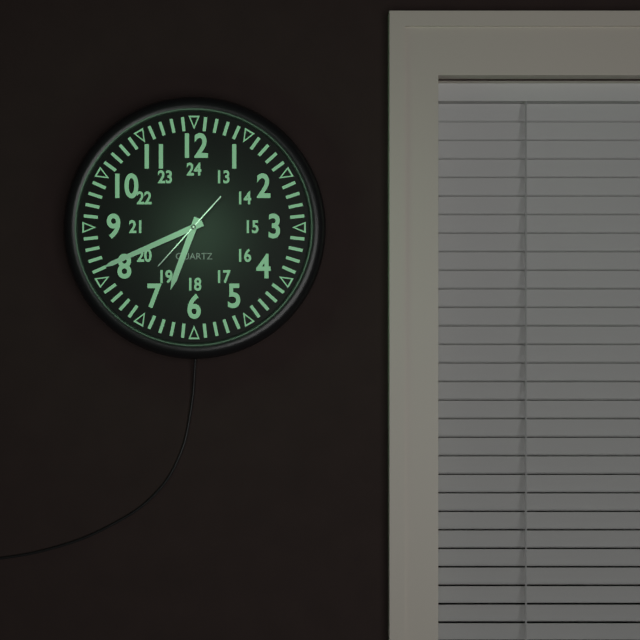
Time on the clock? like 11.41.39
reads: 6.41.37
